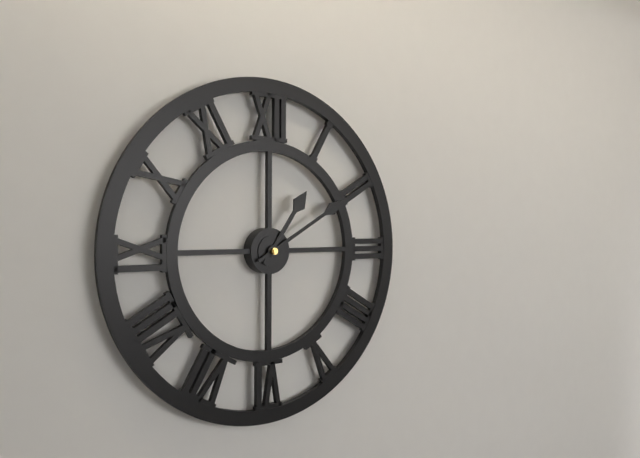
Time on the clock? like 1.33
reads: 1.10
